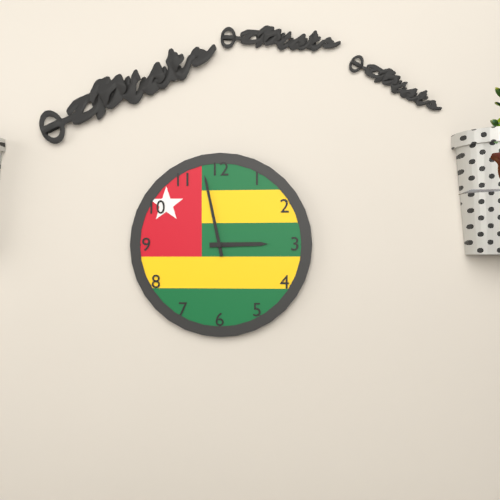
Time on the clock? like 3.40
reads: 2.58
